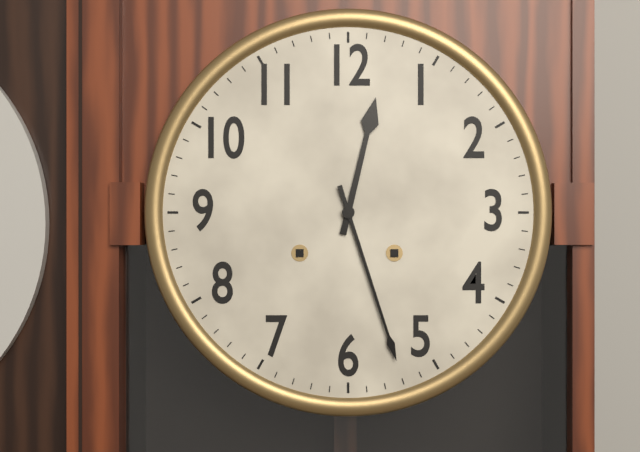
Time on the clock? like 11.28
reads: 12.27
